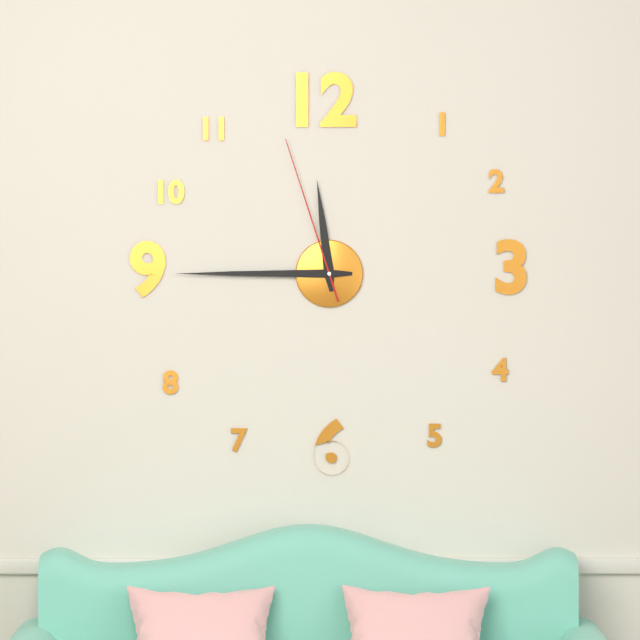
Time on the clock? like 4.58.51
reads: 11.45.57
